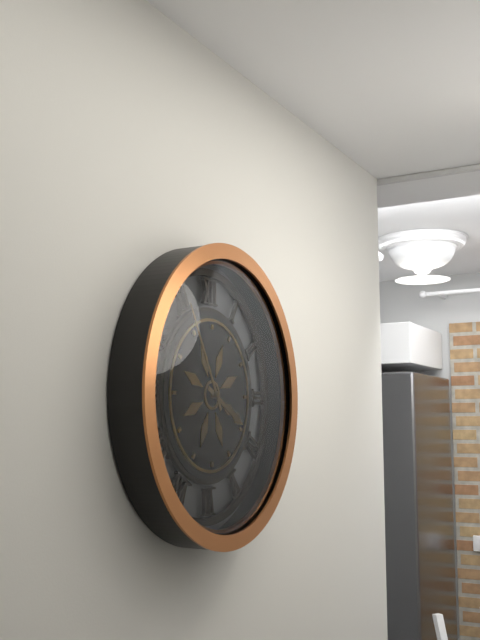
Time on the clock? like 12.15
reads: 3.55
